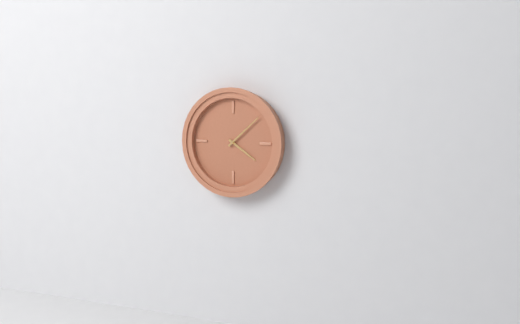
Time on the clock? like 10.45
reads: 4.08
